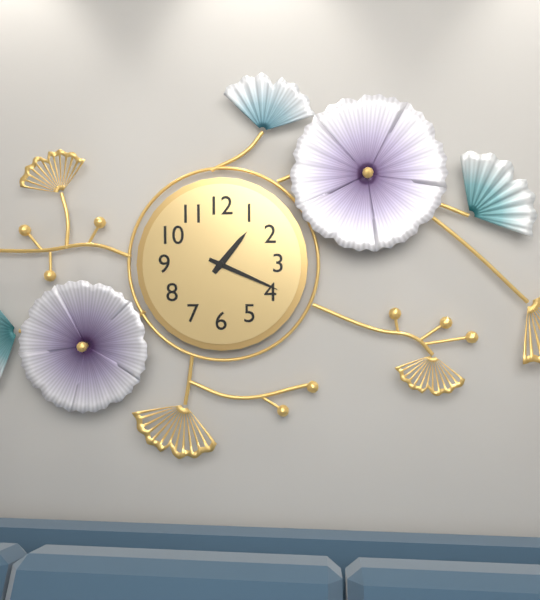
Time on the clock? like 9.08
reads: 1.19
